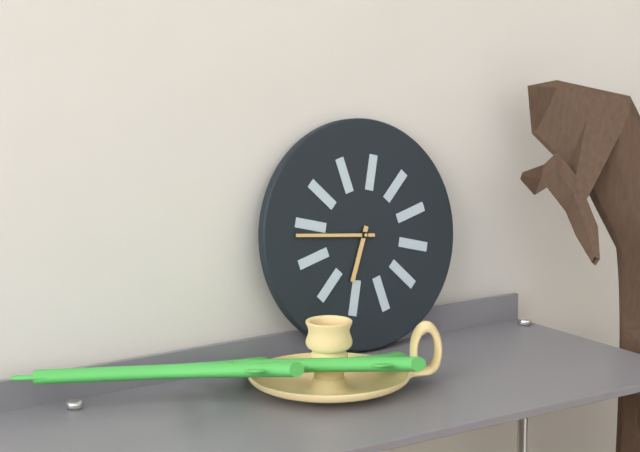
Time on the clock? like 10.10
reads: 6.46
